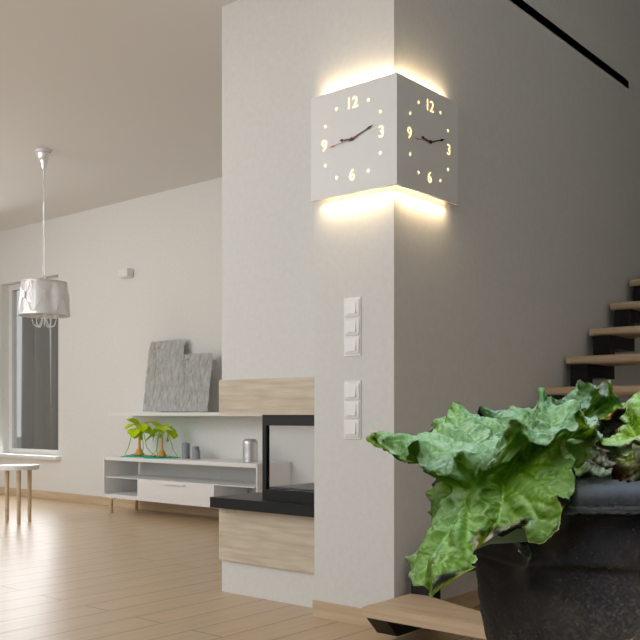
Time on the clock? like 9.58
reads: 9.12
